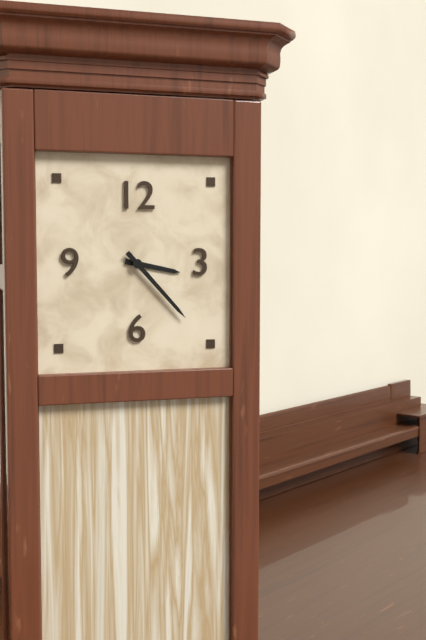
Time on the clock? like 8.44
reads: 3.23
